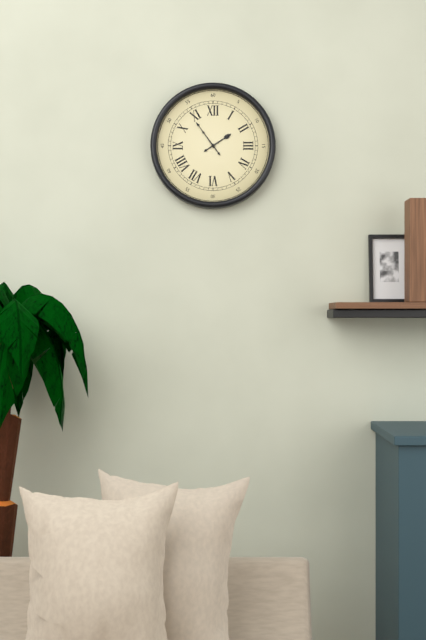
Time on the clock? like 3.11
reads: 1.54
